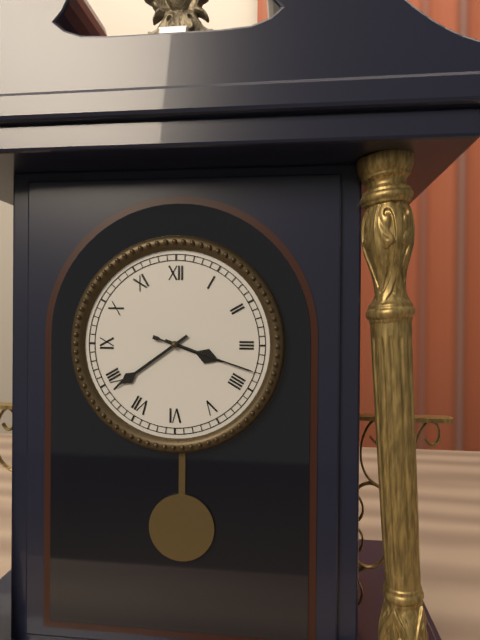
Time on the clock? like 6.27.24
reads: 3.39.18
